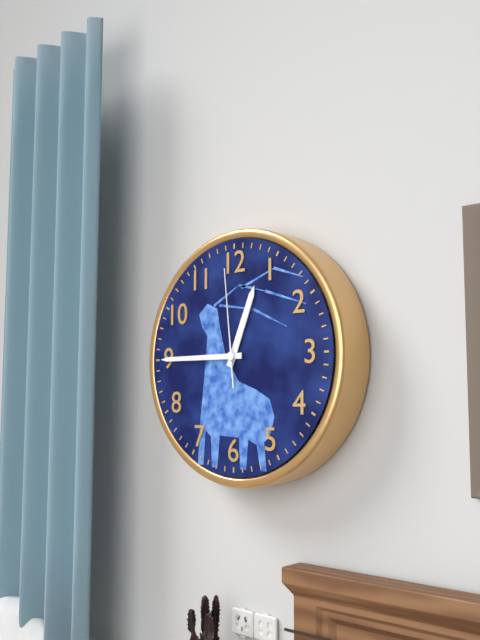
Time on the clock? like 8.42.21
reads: 12.45.59
